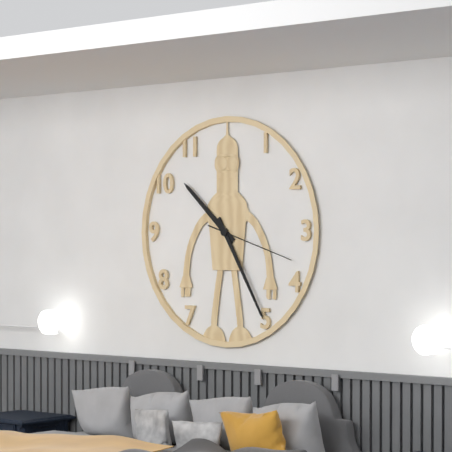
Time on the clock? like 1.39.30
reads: 10.25.18
